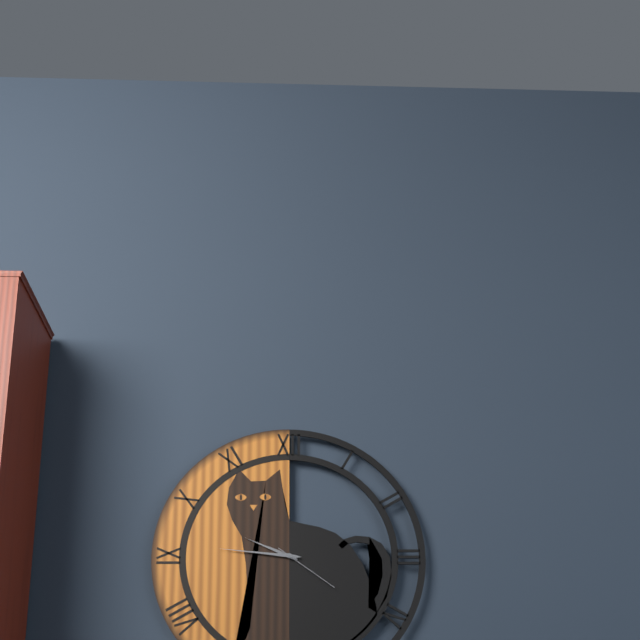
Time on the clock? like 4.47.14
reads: 9.46.21
